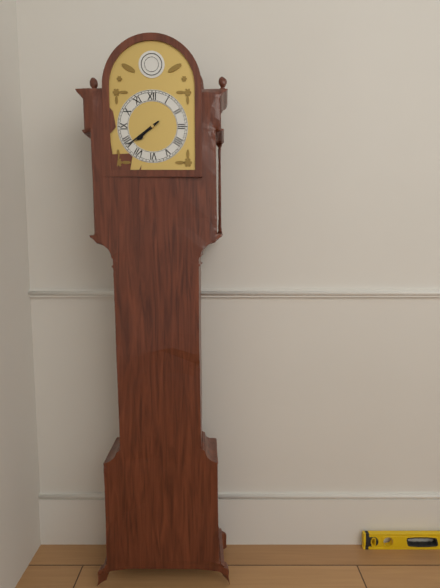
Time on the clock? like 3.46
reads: 7.39
